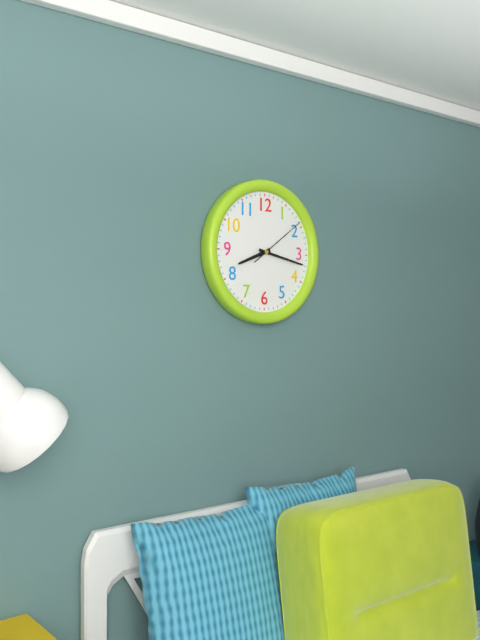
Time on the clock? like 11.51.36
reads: 8.17.09
